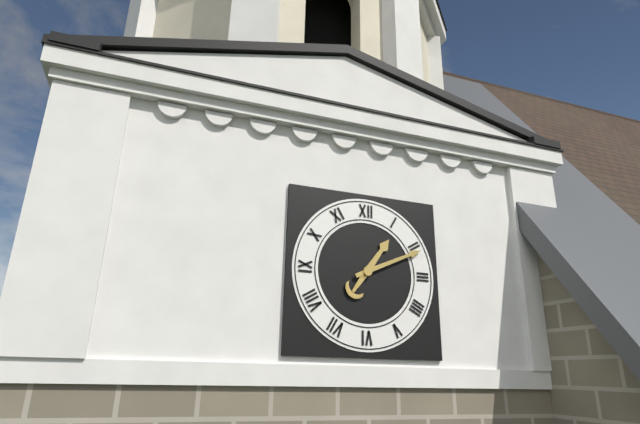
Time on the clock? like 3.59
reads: 1.11
